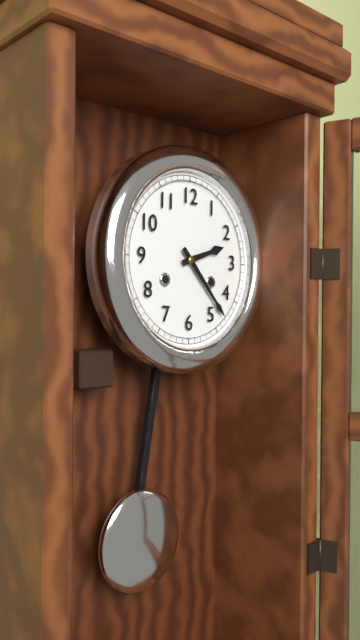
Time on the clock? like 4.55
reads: 2.23
